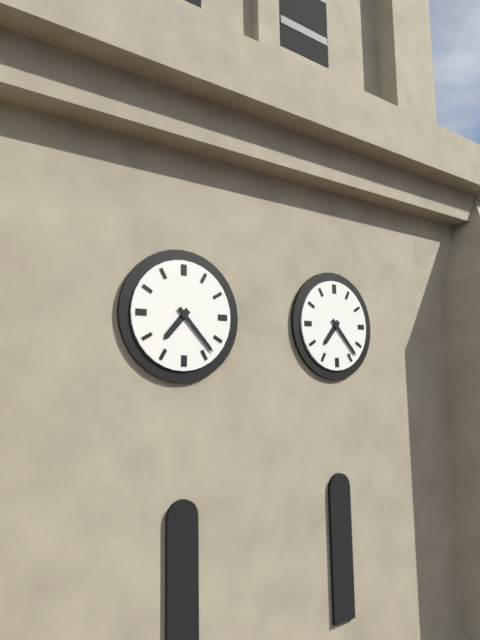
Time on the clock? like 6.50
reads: 7.23
